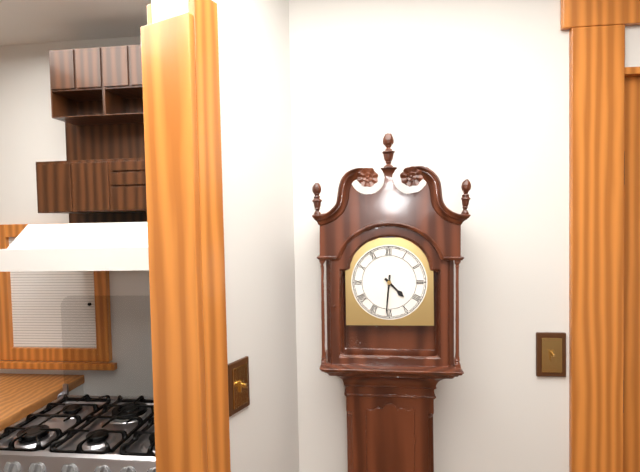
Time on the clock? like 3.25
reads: 4.31
